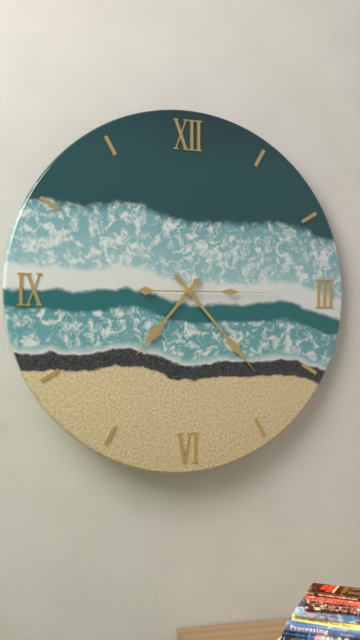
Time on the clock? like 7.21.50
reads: 7.23.15
